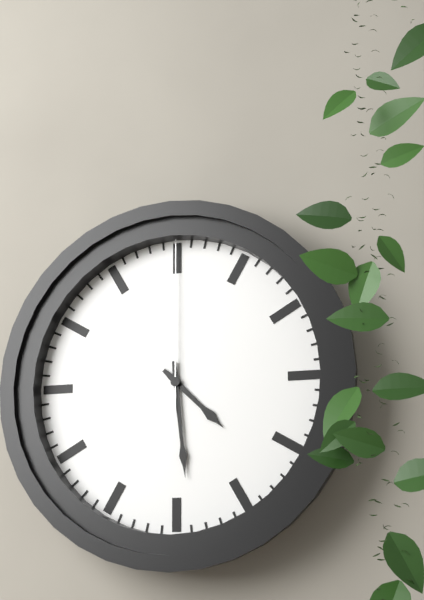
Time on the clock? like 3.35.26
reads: 4.29.00
